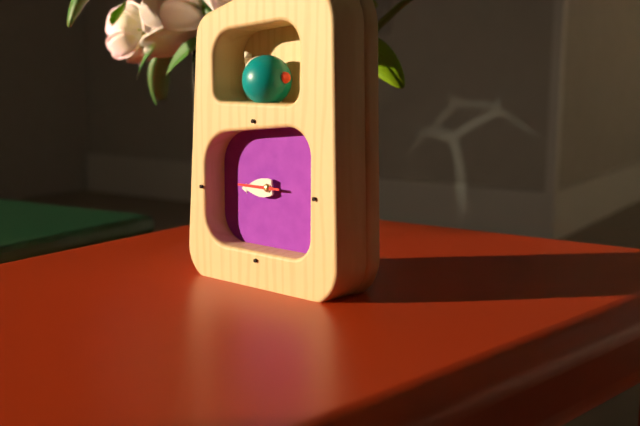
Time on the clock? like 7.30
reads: 8.44
